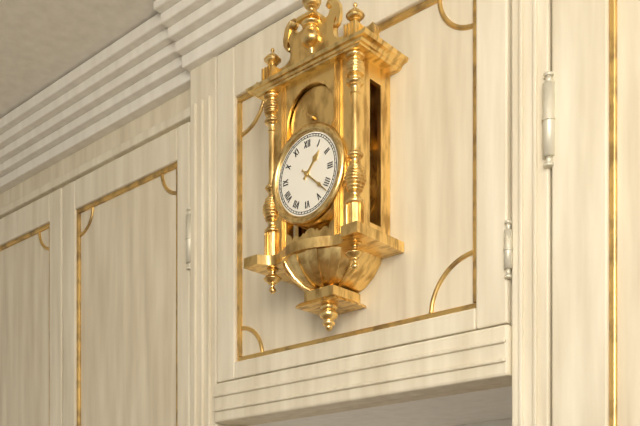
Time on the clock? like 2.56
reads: 1.22
